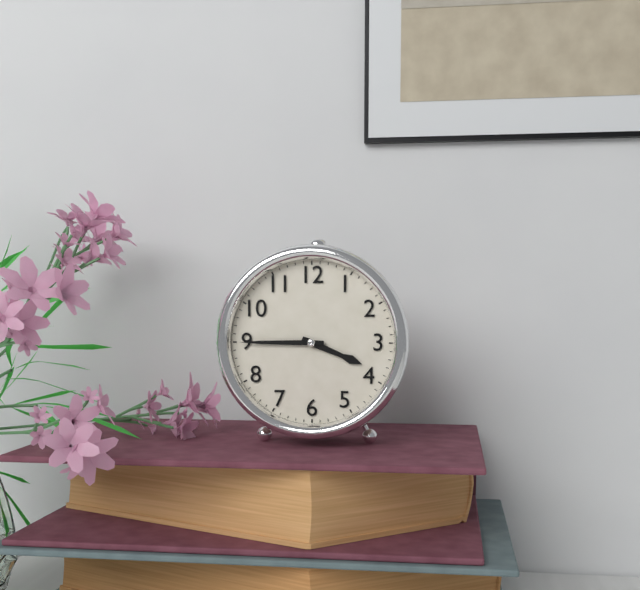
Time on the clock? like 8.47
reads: 3.45
